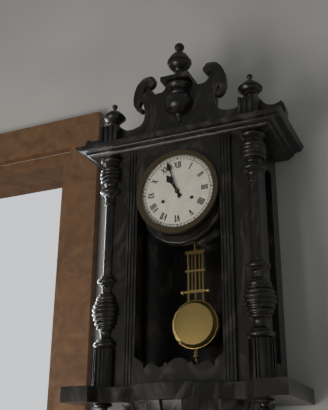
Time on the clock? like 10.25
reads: 10.57
